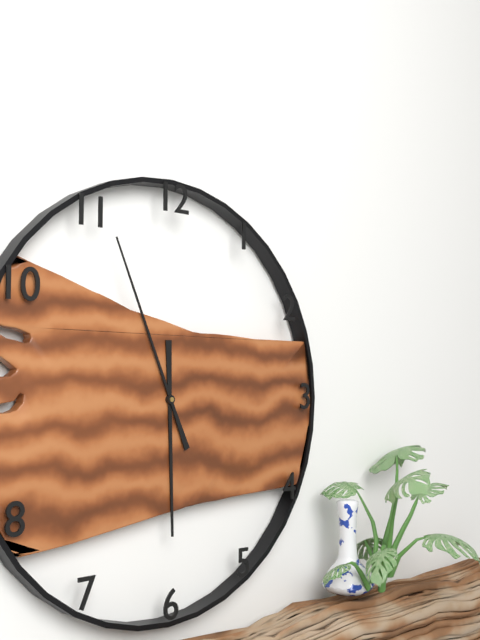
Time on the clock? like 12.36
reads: 5.56
